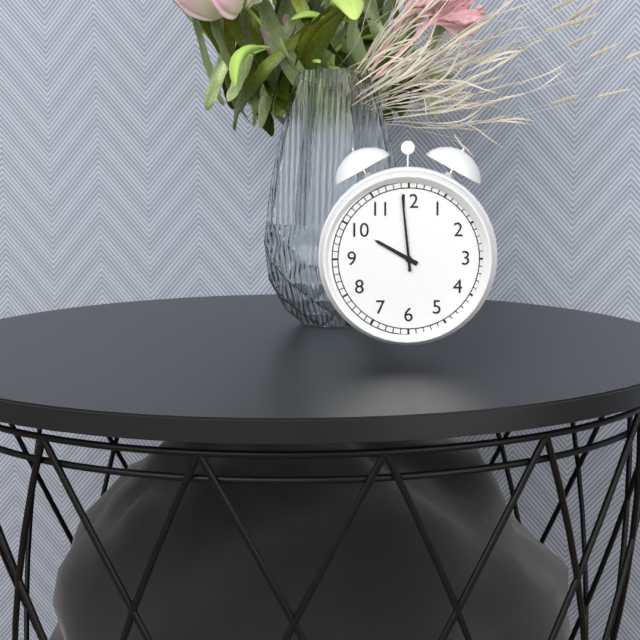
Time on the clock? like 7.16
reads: 9.59
